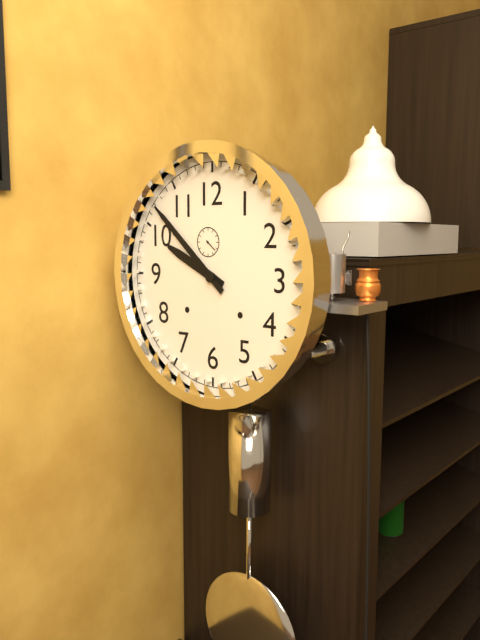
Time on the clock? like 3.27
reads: 9.52
